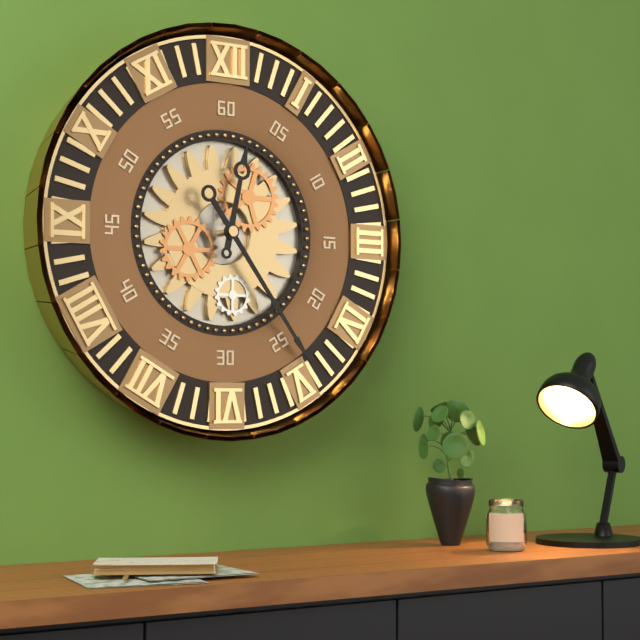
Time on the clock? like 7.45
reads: 12.24
